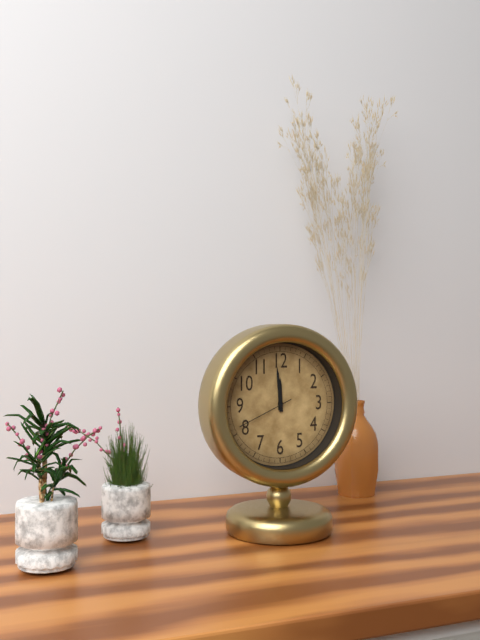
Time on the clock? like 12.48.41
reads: 11.59.41
